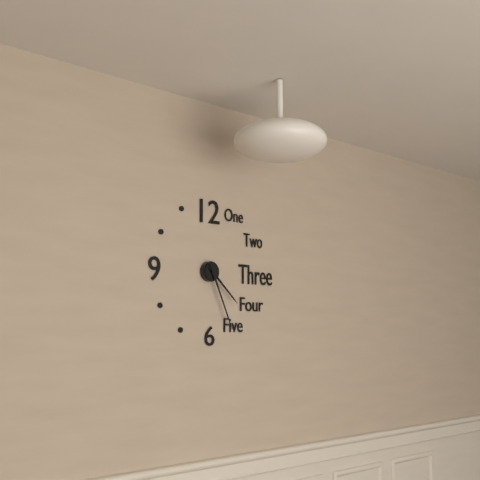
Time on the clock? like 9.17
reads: 4.26
